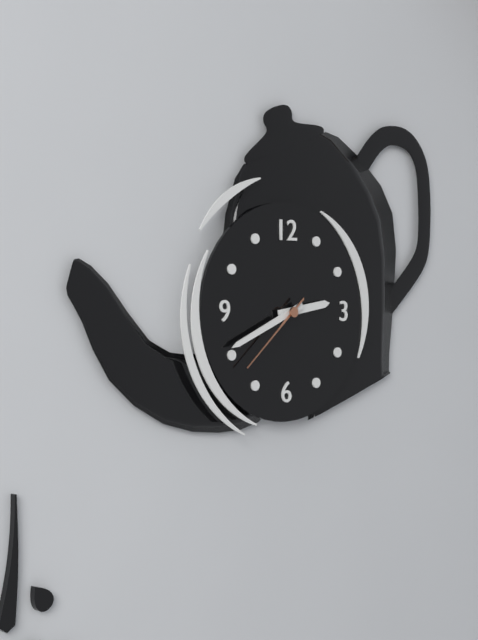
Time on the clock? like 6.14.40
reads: 2.41.38
